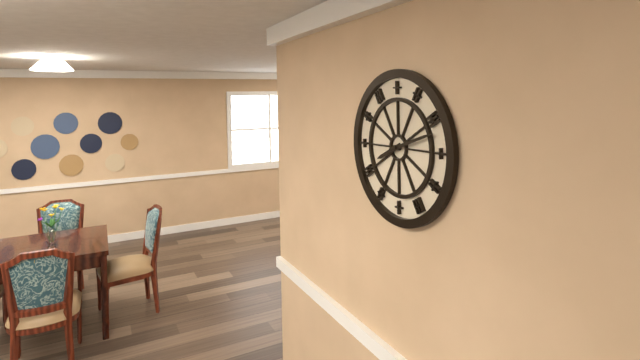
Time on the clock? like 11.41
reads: 8.12
